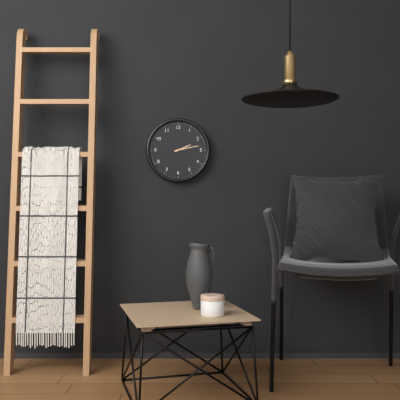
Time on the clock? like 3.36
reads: 2.13
